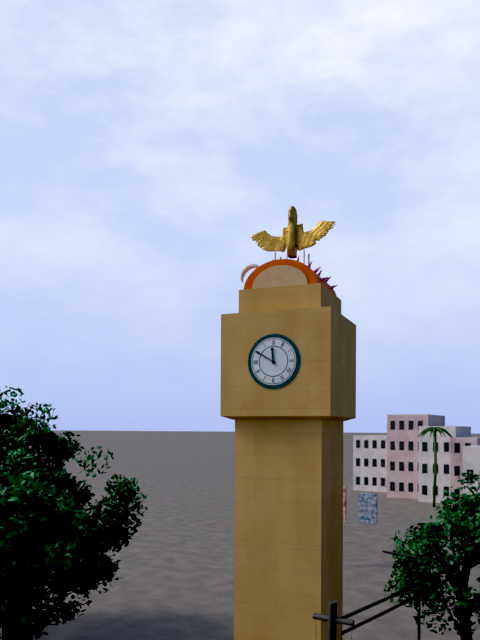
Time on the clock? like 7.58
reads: 11.50
